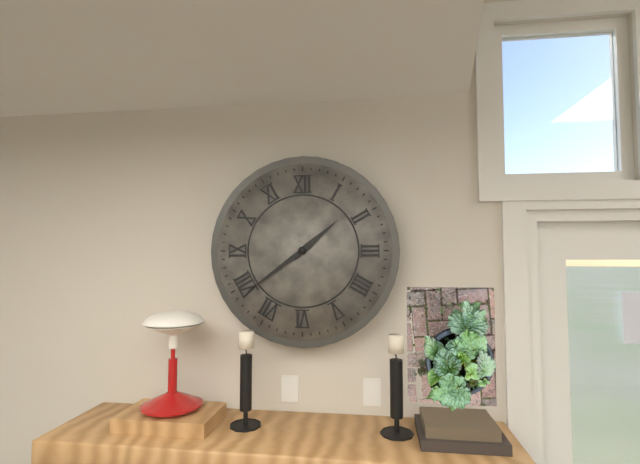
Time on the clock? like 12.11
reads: 1.39
